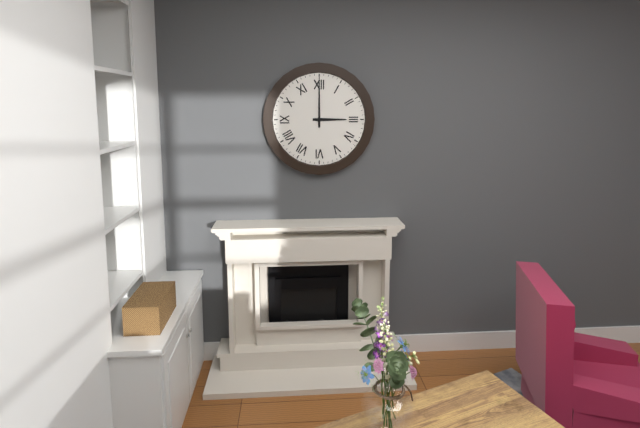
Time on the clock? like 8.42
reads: 3.00
